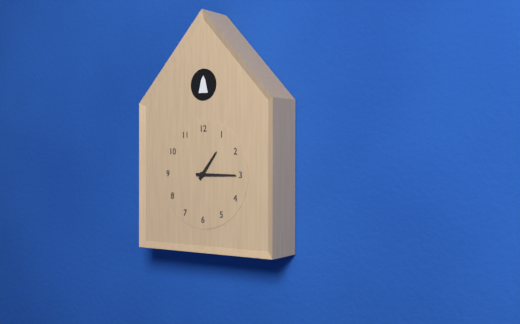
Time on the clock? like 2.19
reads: 1.15
